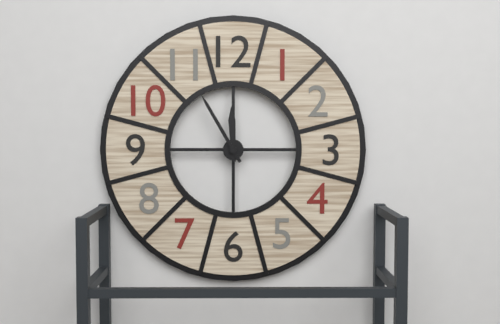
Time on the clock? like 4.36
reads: 11.55
